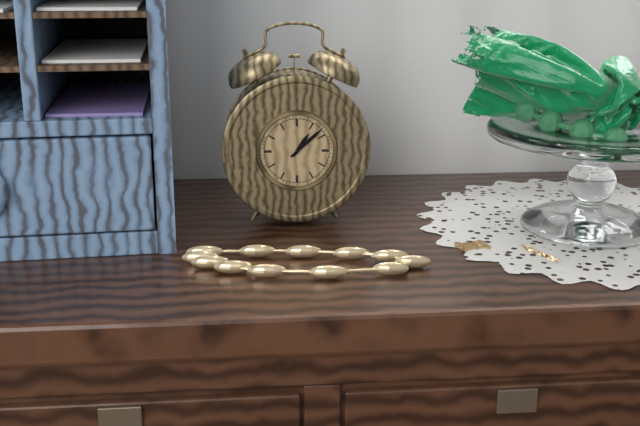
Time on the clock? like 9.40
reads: 1.08
